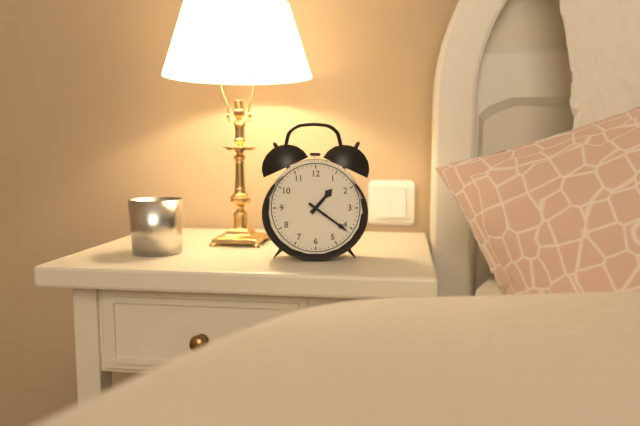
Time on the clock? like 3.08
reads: 1.21
